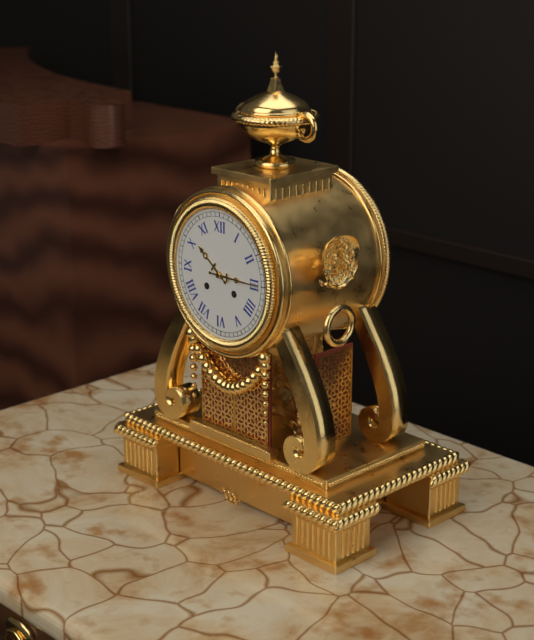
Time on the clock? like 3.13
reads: 10.15
